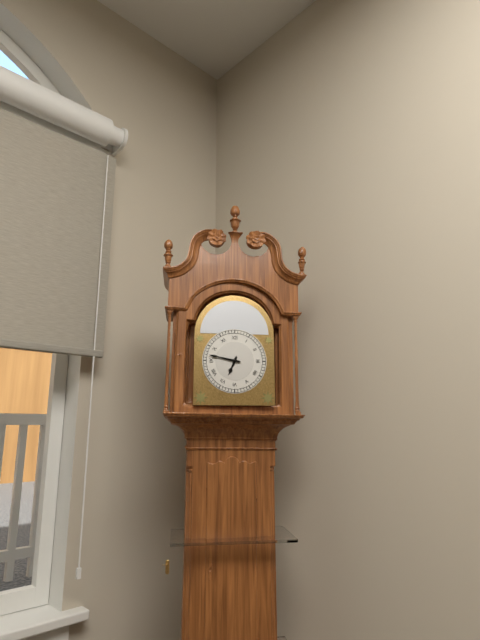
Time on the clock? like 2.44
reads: 6.47
